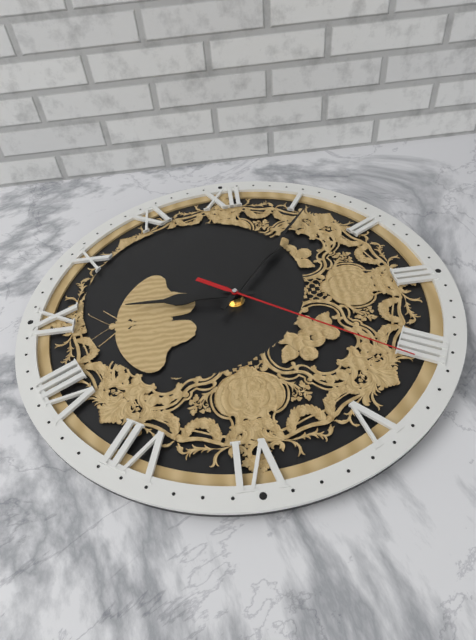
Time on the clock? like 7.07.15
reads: 9.06.21
